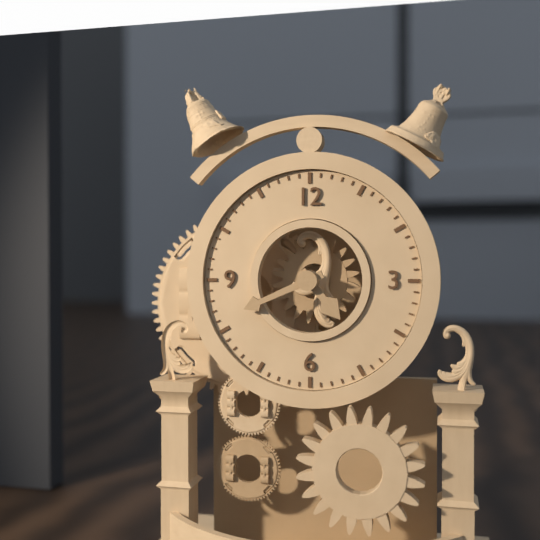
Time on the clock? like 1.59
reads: 4.41
